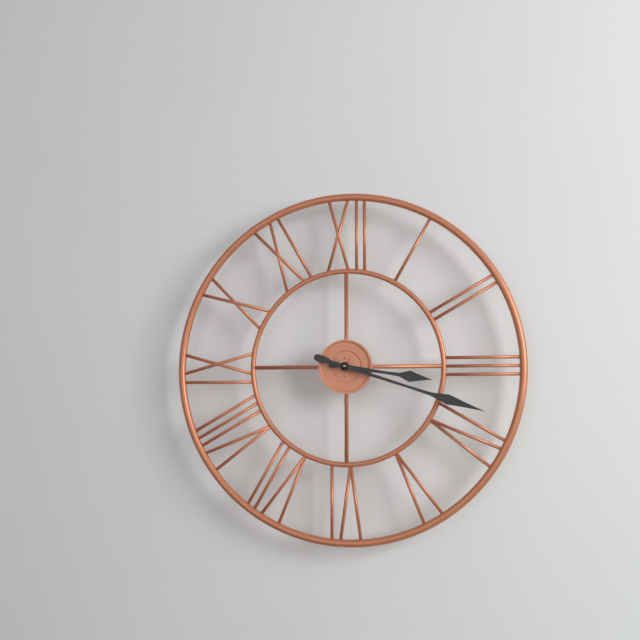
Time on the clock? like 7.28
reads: 3.18
